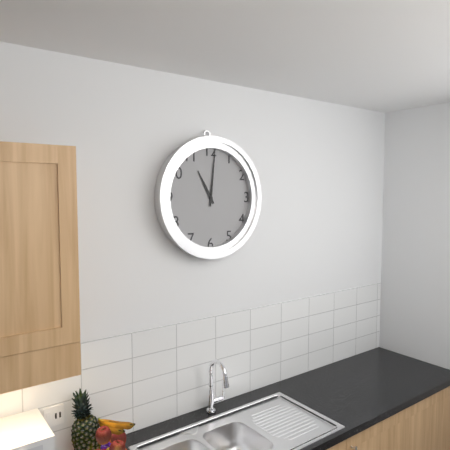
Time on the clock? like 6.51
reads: 11.01
